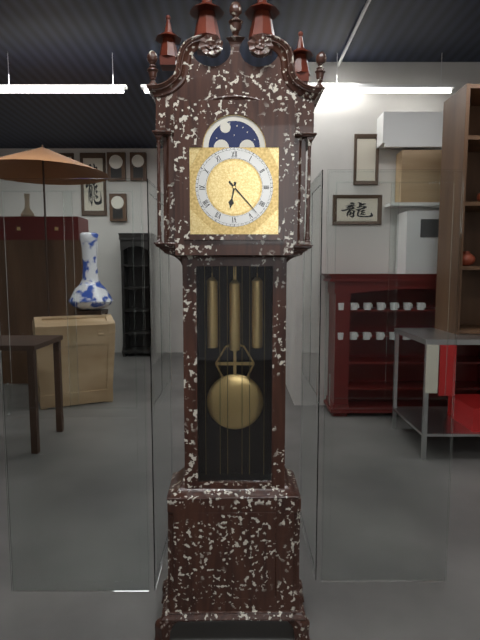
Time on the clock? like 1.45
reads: 6.23
